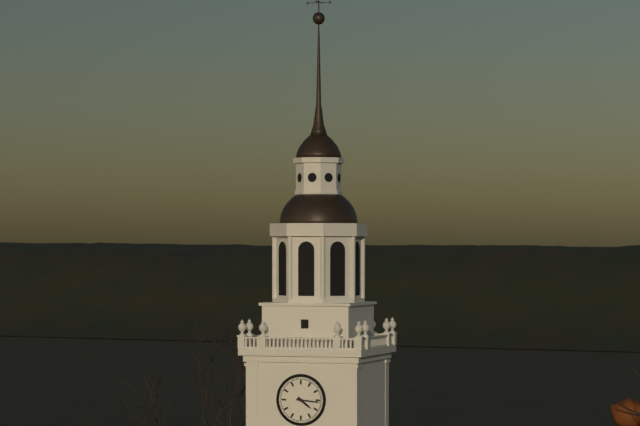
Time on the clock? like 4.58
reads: 4.16
